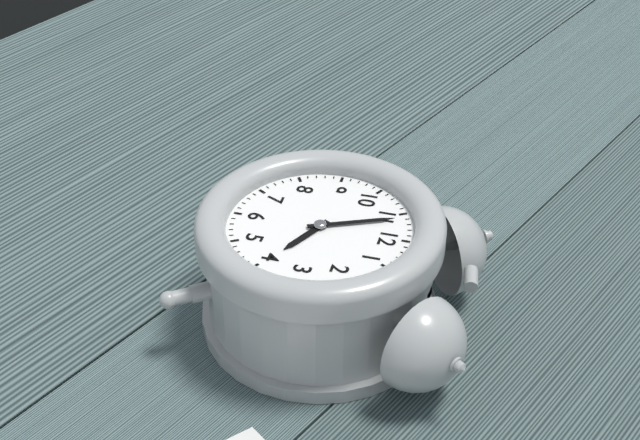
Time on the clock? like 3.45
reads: 3.56
